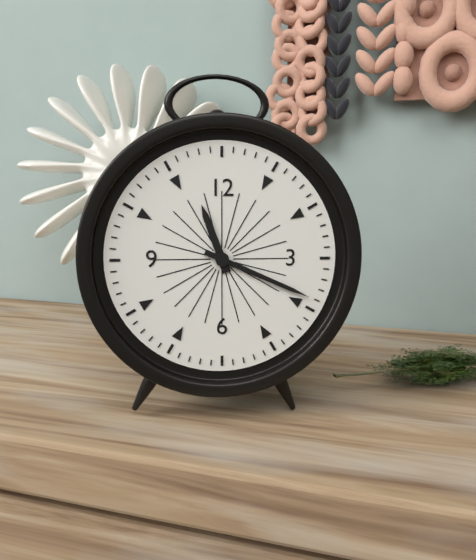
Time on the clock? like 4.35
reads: 11.19
